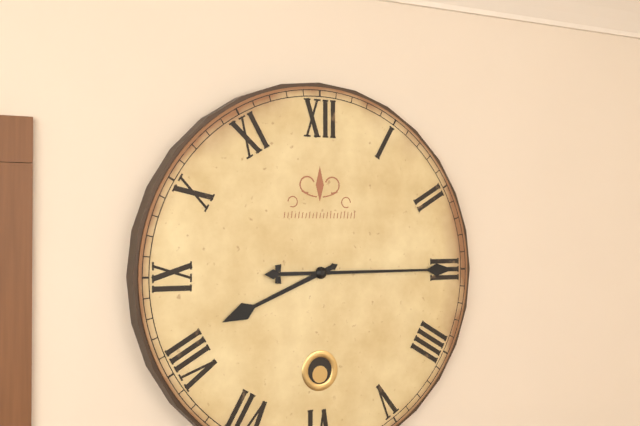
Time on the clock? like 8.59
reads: 8.15
